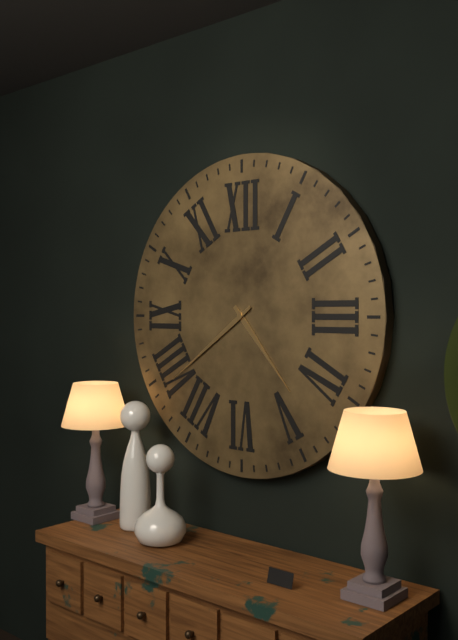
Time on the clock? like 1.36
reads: 4.39
